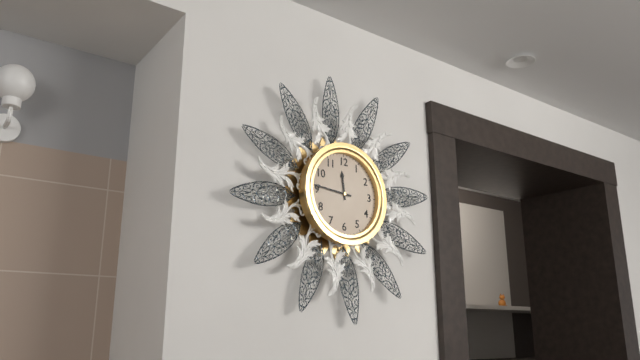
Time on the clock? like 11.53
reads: 11.46
